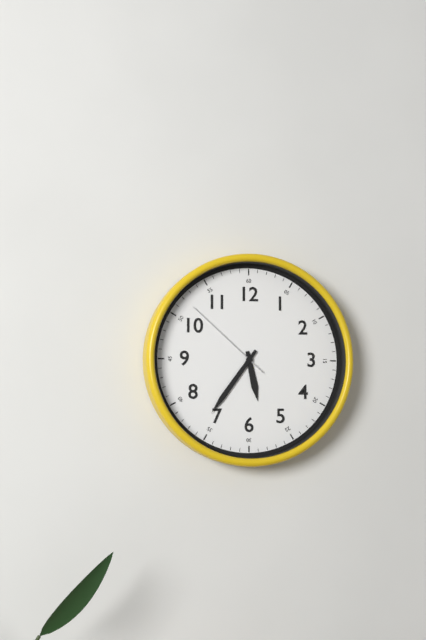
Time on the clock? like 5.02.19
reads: 5.36.52
